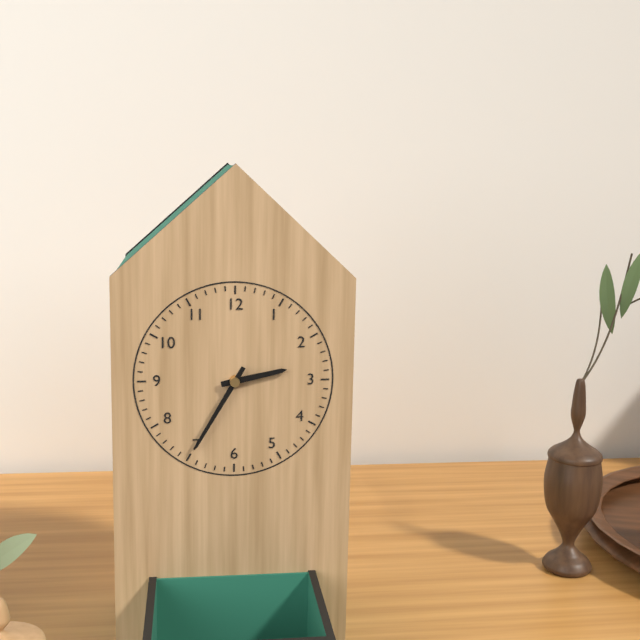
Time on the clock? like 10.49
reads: 2.35
